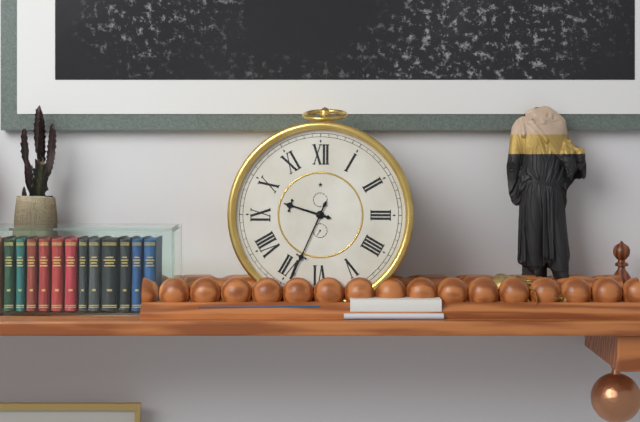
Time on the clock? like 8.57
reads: 9.34
